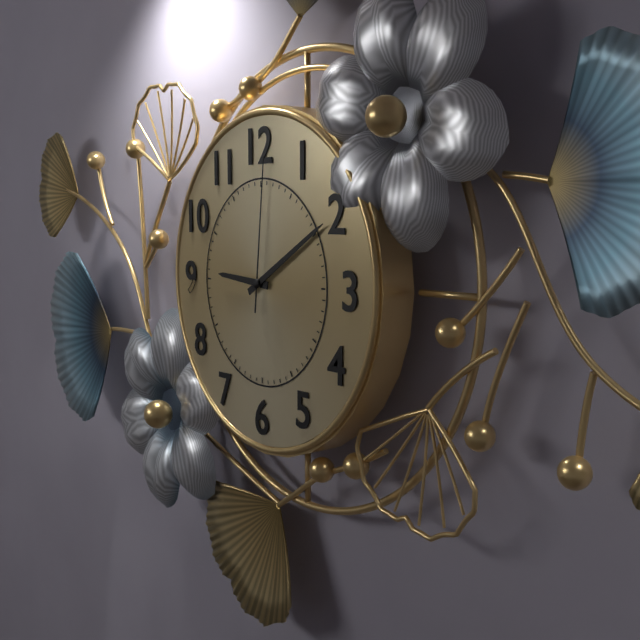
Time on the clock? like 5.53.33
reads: 9.10.01
